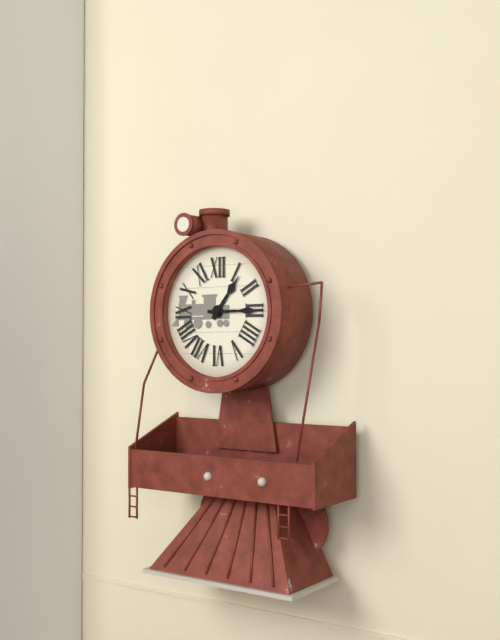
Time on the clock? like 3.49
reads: 1.15
